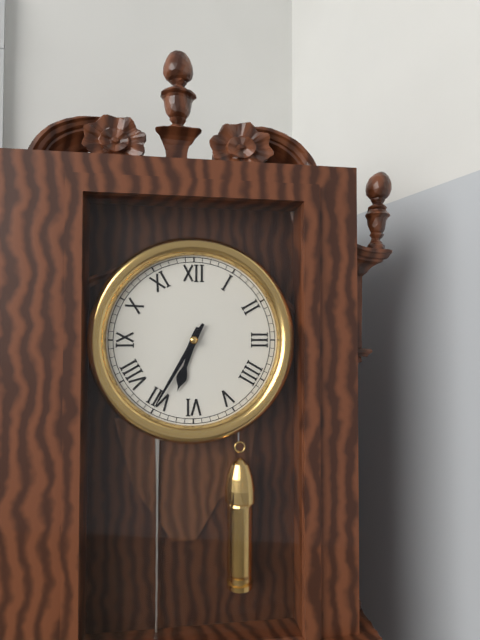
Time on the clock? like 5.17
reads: 6.35
